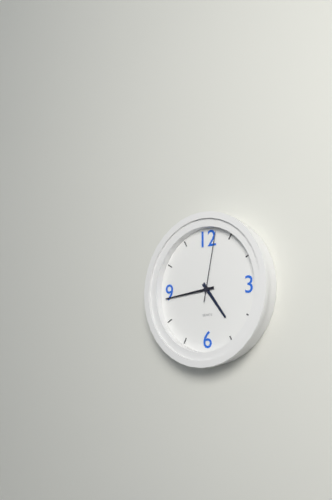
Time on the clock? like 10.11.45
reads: 4.44.02
